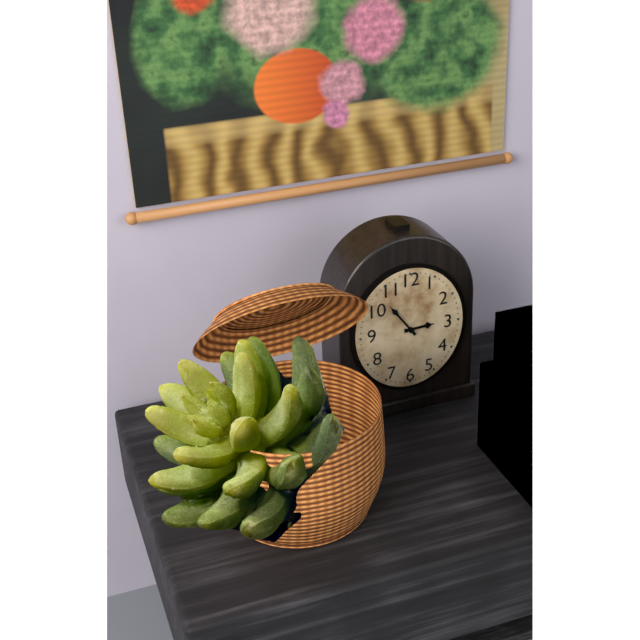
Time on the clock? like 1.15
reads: 2.54
